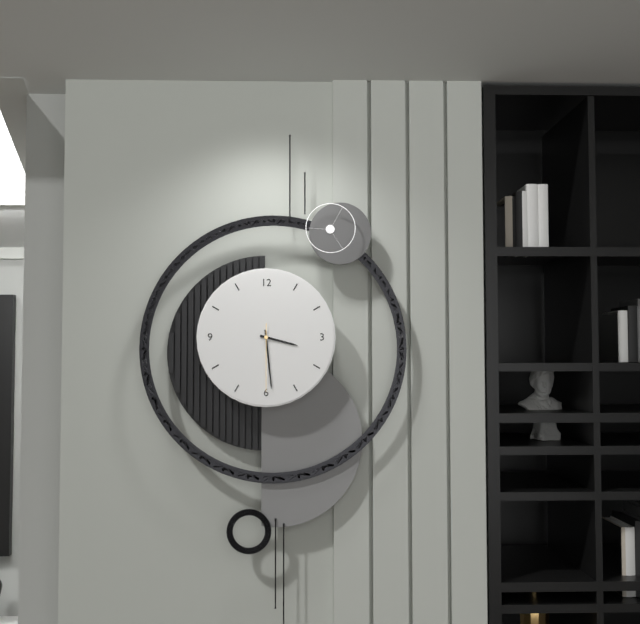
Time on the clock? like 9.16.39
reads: 3.29.30
